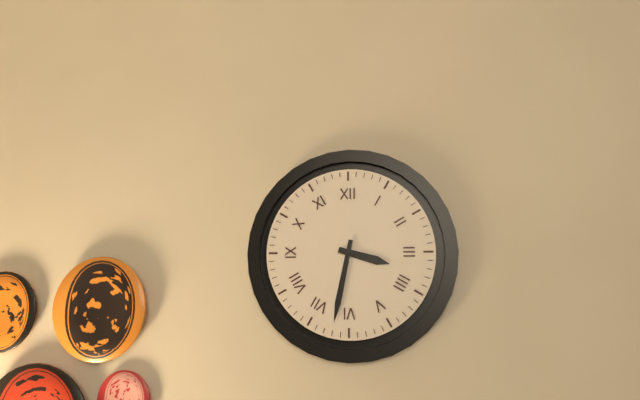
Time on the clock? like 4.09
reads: 3.32
